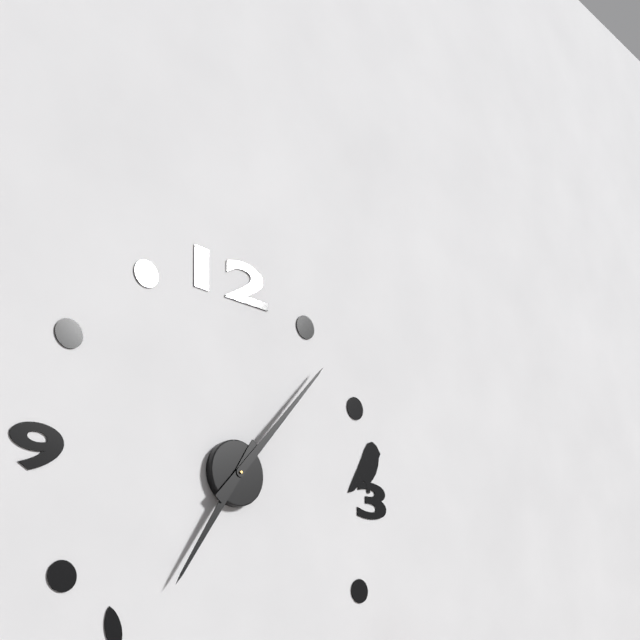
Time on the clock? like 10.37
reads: 7.07
